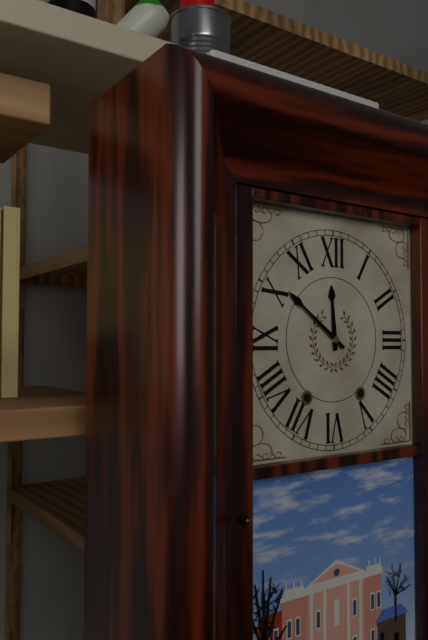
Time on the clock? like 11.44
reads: 11.51
